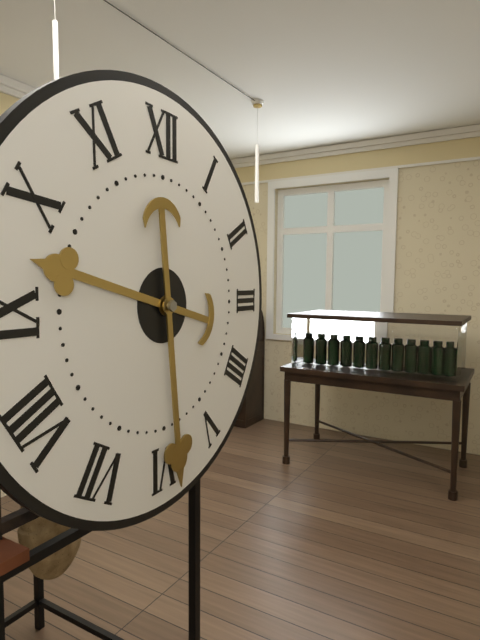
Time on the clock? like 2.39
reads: 9.29
